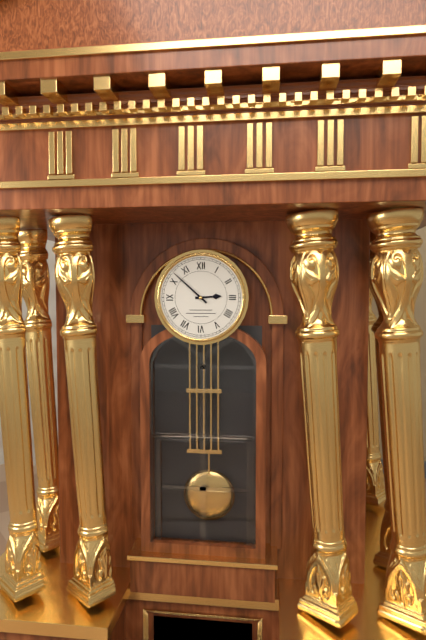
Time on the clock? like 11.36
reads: 2.52
